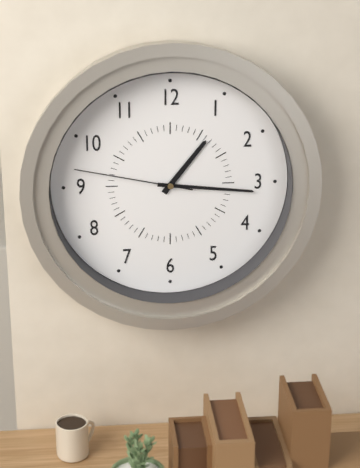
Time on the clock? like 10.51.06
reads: 1.16.47
